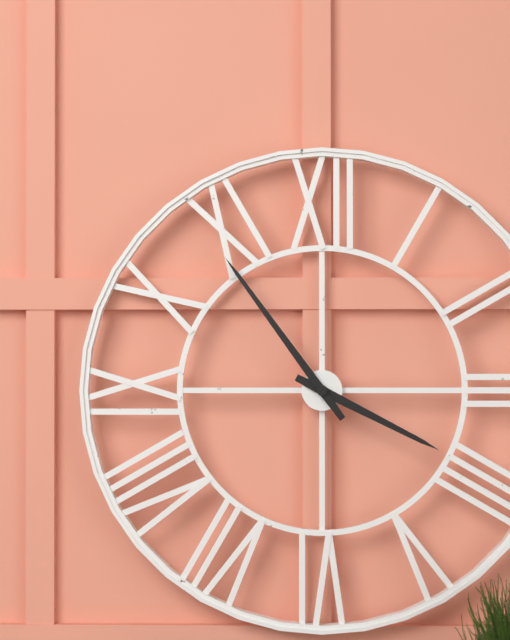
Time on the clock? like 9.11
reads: 3.54
